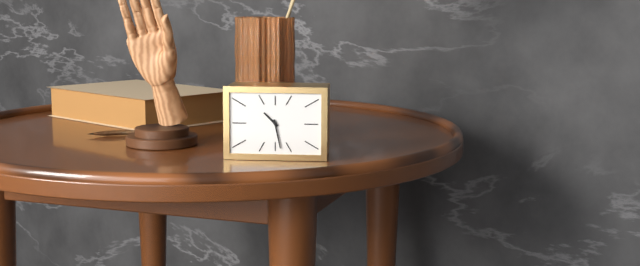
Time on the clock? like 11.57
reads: 10.28
